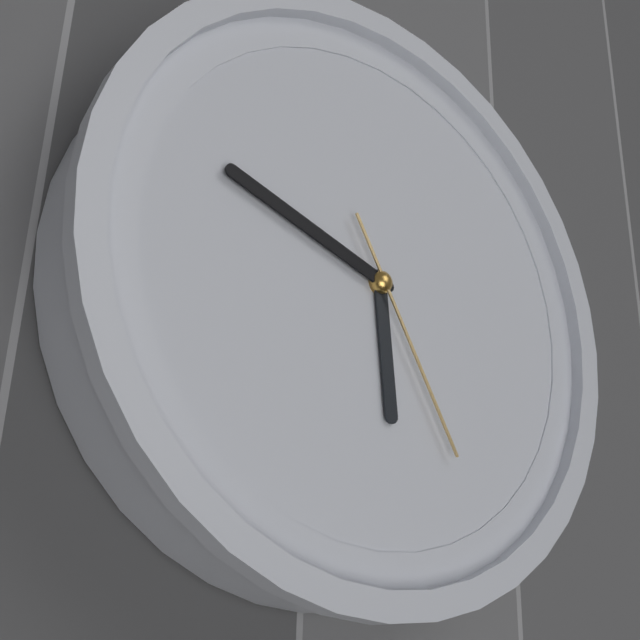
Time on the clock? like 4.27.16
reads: 5.48.25
